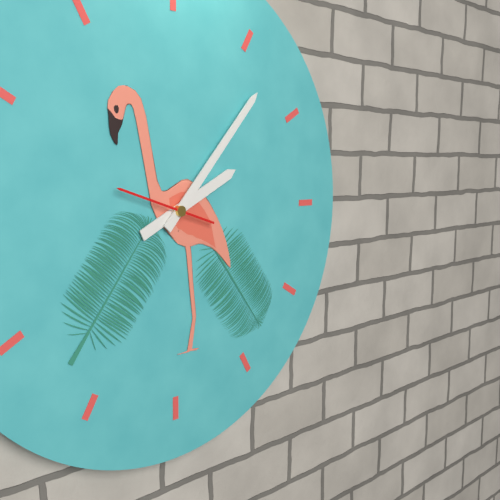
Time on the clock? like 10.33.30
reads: 2.07.48
